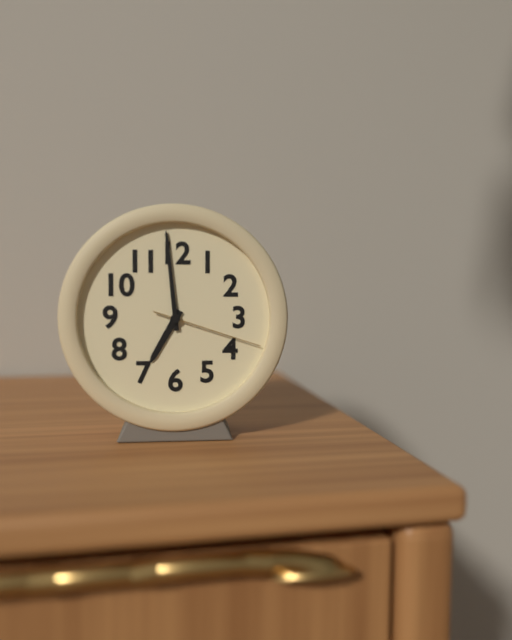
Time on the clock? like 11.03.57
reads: 6.59.18
